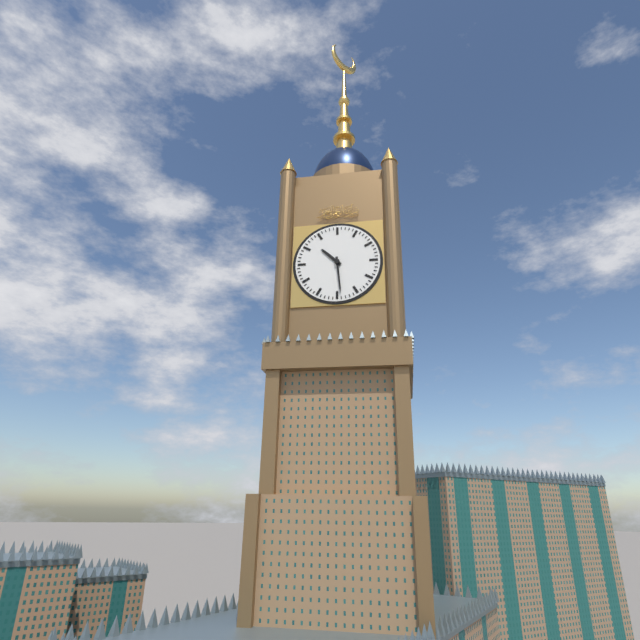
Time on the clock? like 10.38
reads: 10.29
